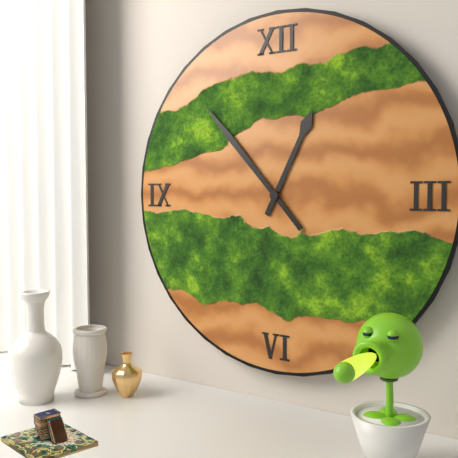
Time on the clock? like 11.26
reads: 12.53
